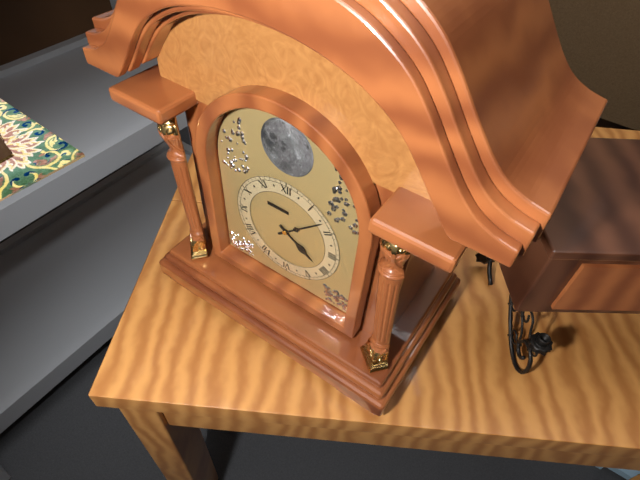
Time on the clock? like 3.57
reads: 4.08
